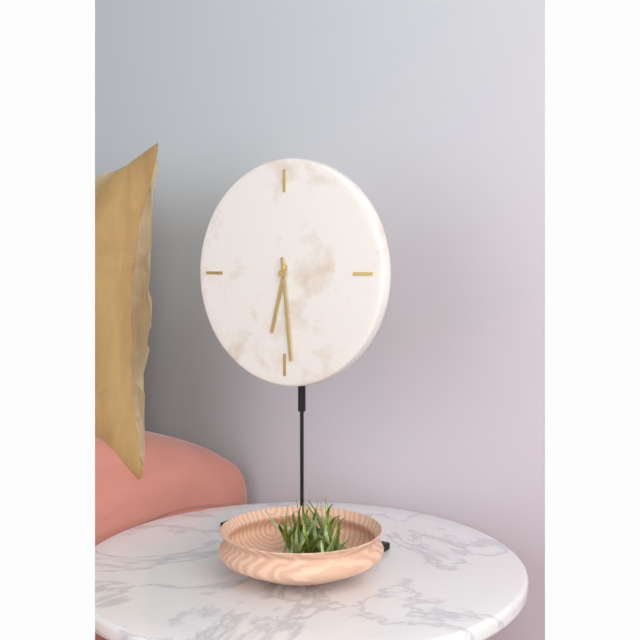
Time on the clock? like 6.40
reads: 6.29
